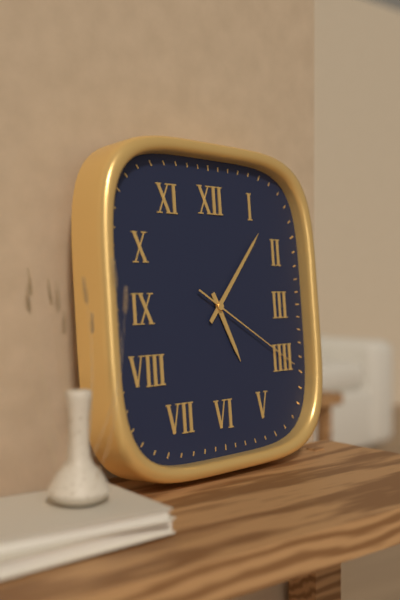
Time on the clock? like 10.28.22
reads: 5.07.20
